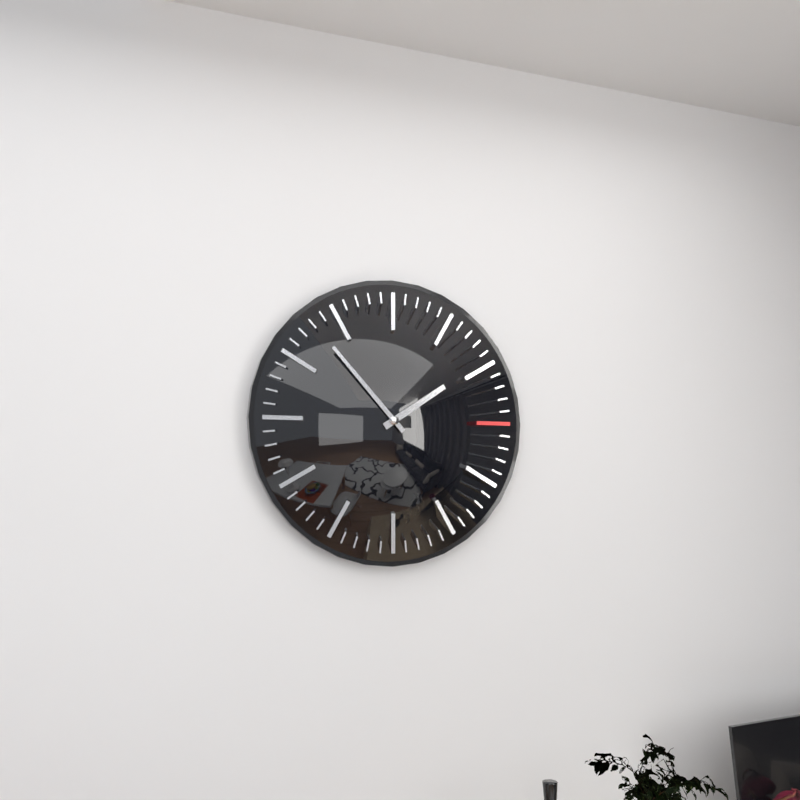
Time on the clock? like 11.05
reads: 1.53
